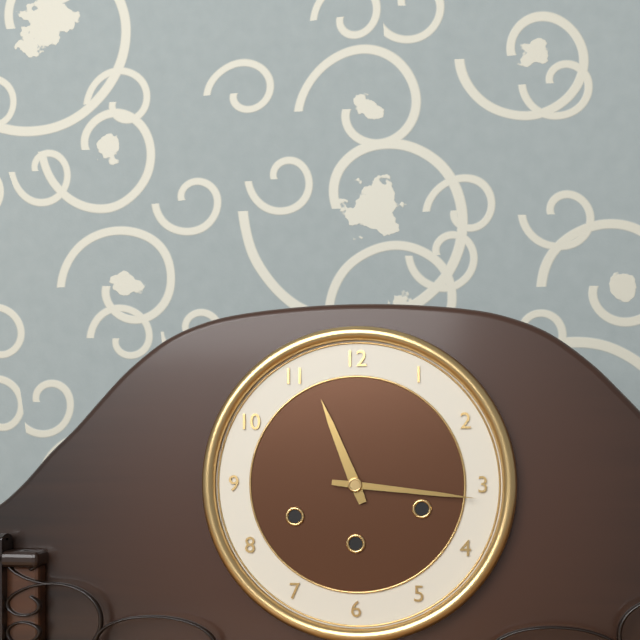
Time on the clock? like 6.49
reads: 11.16
